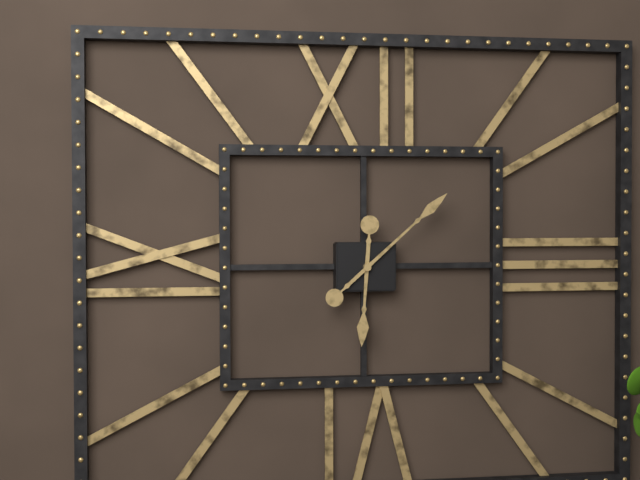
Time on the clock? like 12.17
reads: 6.08
